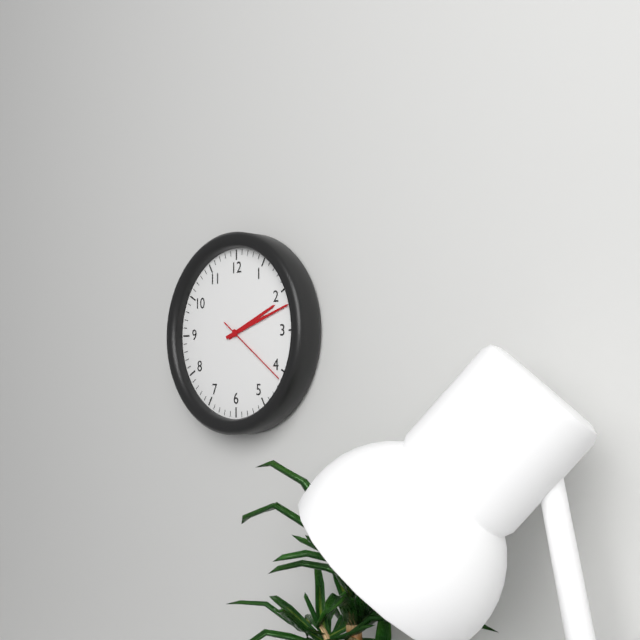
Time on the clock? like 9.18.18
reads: 2.12.21
